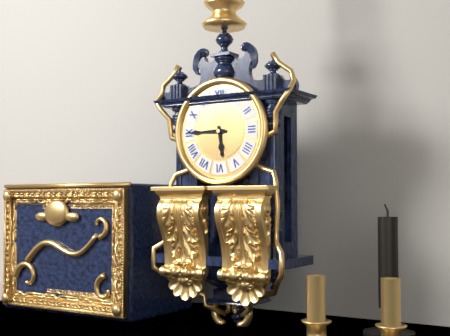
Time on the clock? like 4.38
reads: 5.45
